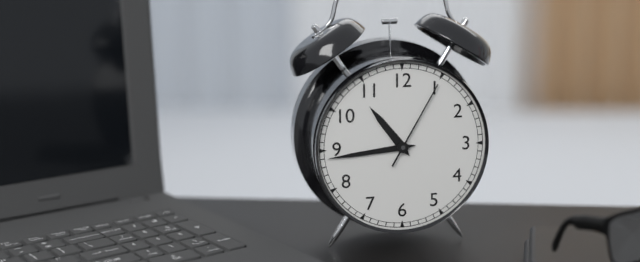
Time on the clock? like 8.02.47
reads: 10.44.05
